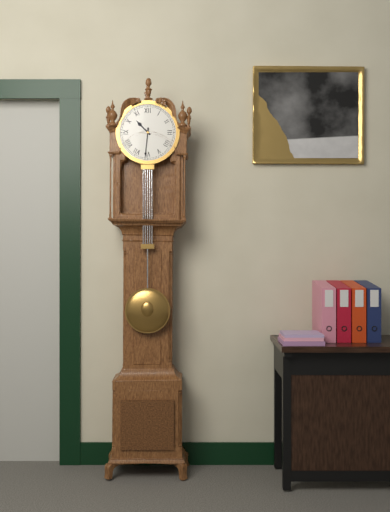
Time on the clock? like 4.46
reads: 10.31
